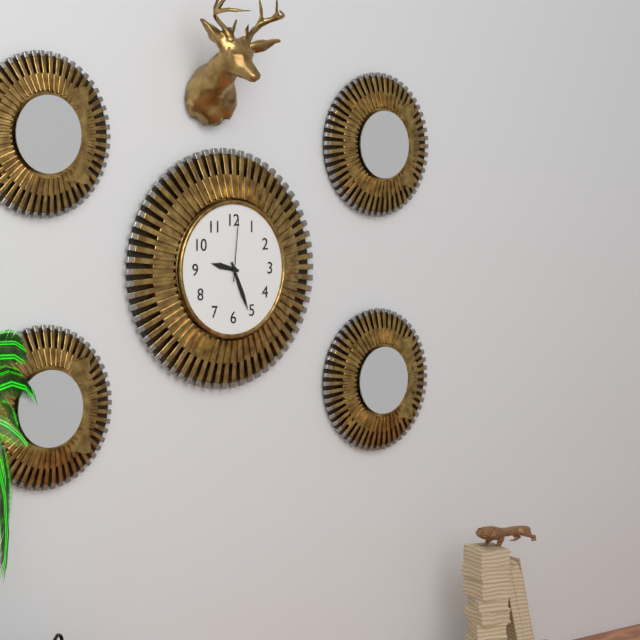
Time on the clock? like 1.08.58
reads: 9.26.01
